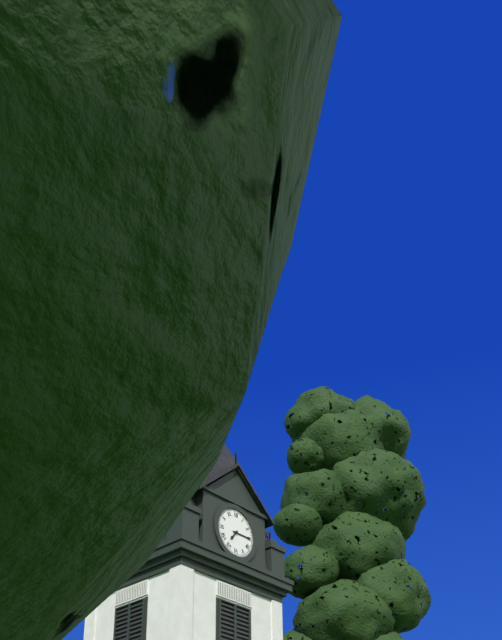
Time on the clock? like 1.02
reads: 7.15
